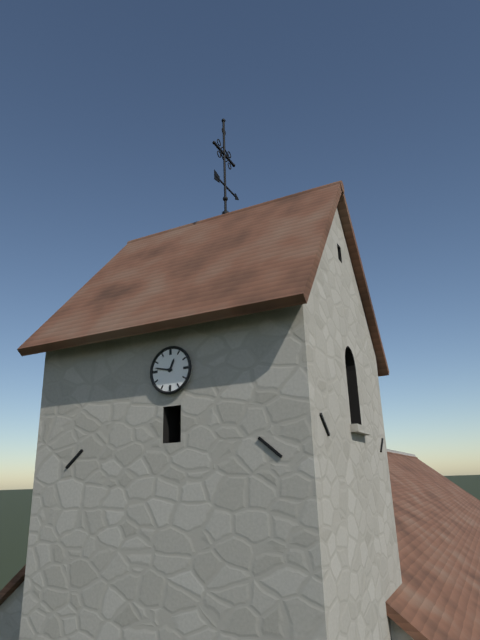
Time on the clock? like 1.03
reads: 12.47
